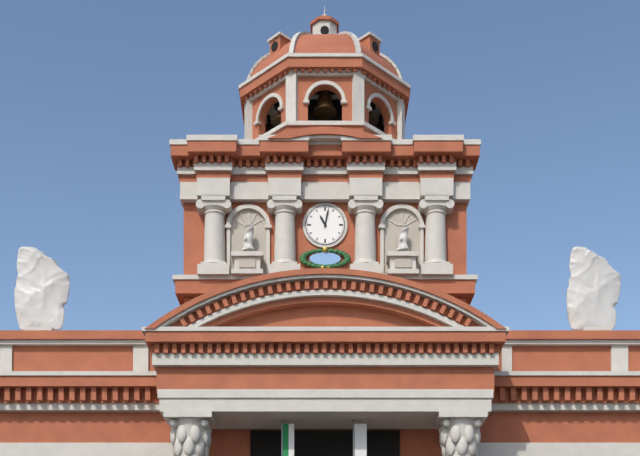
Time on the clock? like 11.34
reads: 11.02
